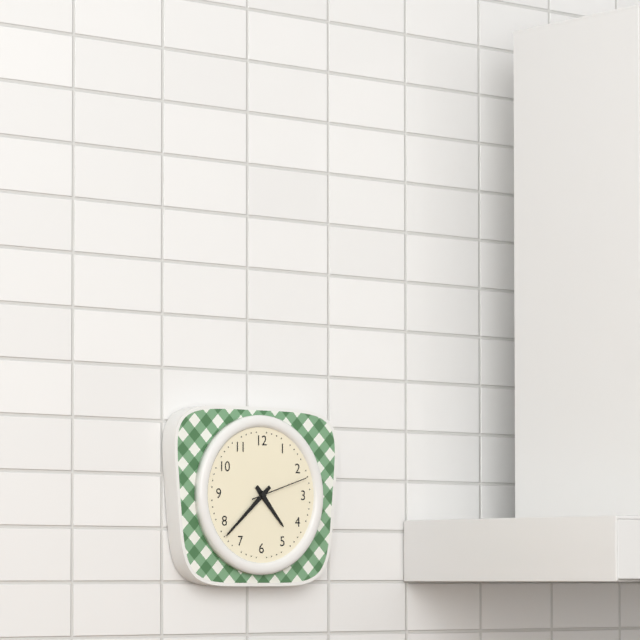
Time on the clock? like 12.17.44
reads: 4.38.12
